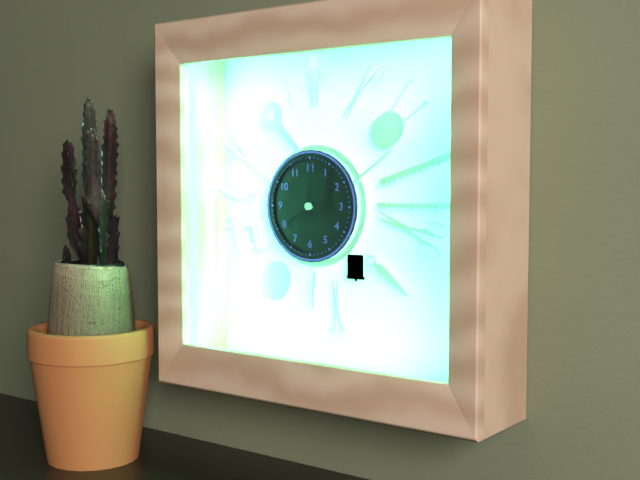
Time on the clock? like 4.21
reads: 8.01
